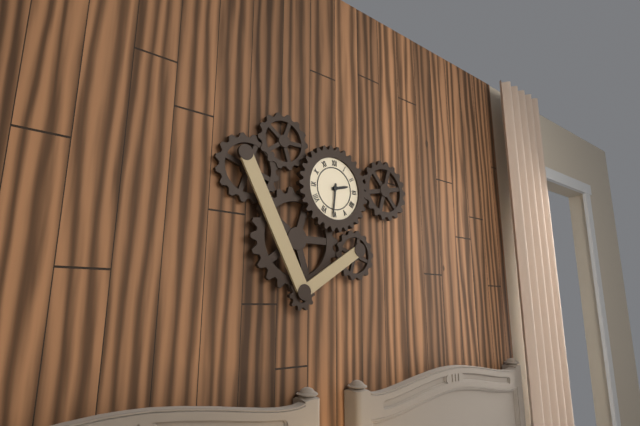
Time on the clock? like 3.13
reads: 2.31
